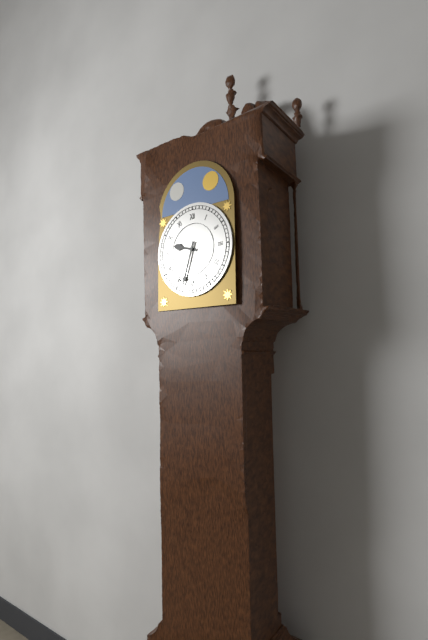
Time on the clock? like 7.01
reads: 9.33
